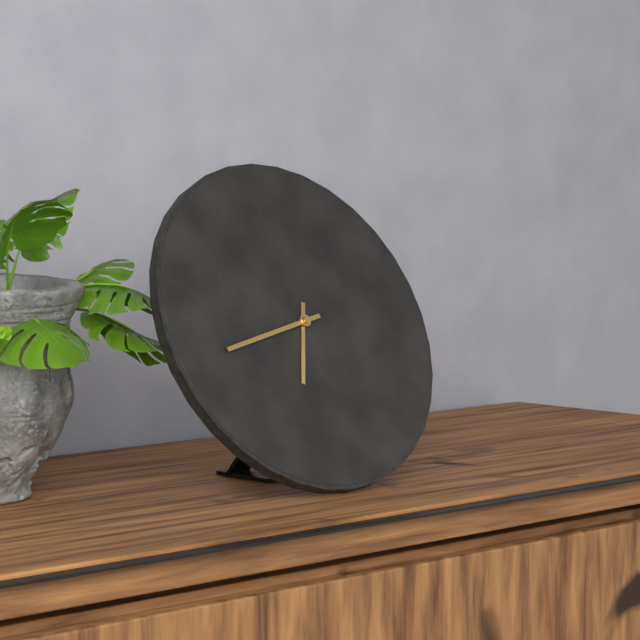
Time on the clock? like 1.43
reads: 6.43
